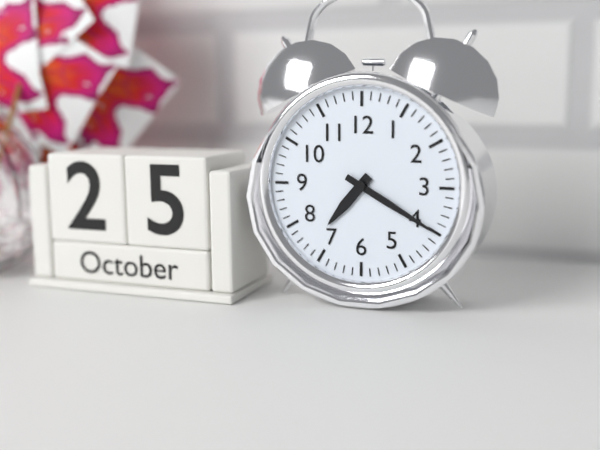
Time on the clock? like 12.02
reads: 7.20
